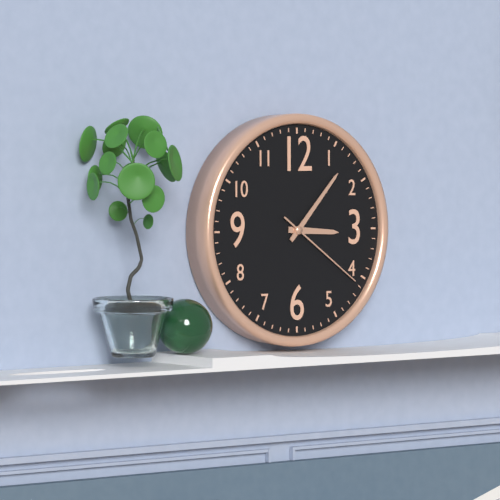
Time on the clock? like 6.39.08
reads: 3.07.21
